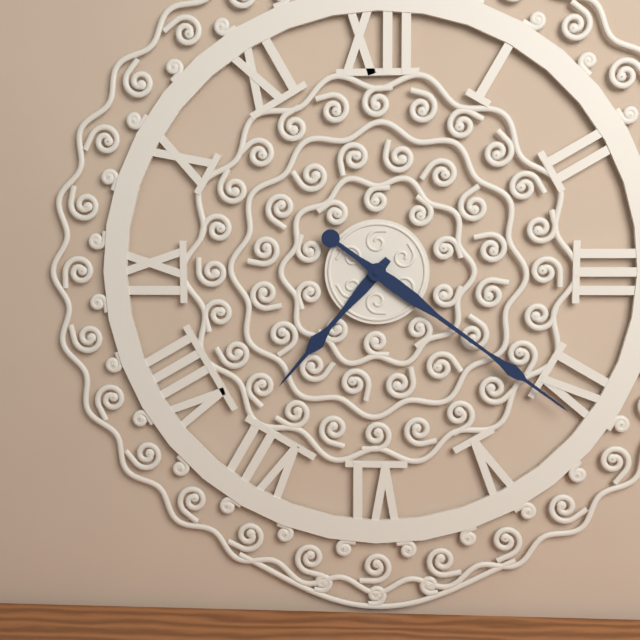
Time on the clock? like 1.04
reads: 7.21
